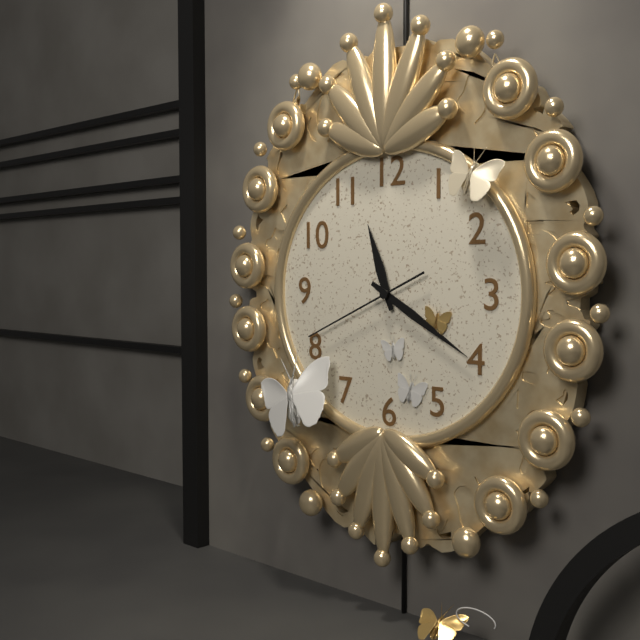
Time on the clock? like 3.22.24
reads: 11.20.41
